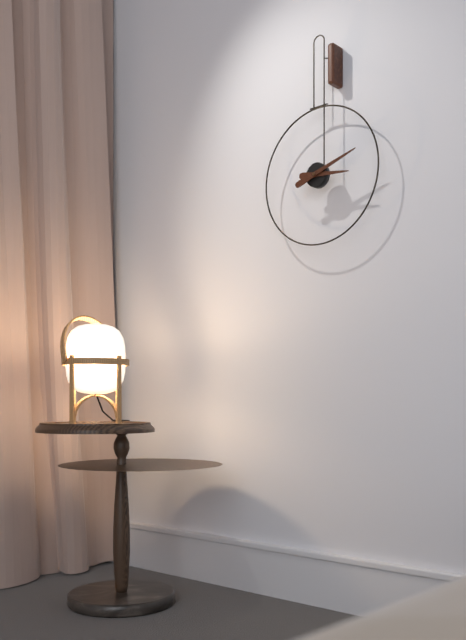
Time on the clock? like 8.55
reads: 3.12
